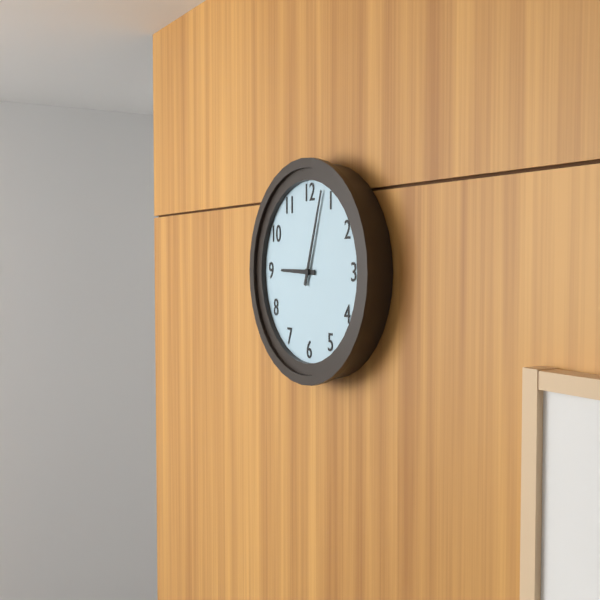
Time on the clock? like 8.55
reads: 9.03
